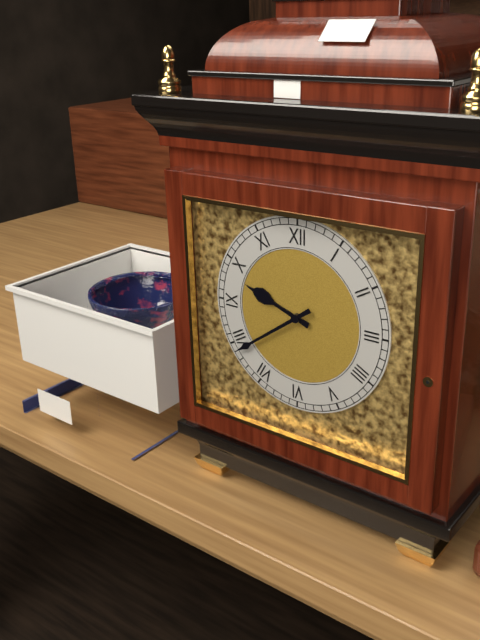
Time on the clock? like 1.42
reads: 9.39
